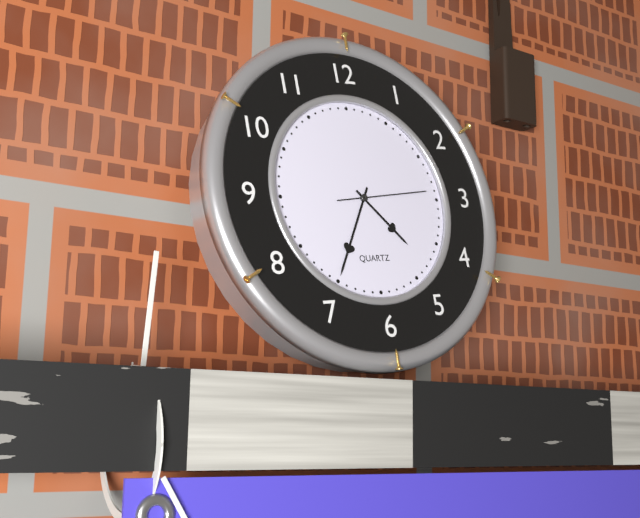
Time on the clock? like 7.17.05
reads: 4.35.14
